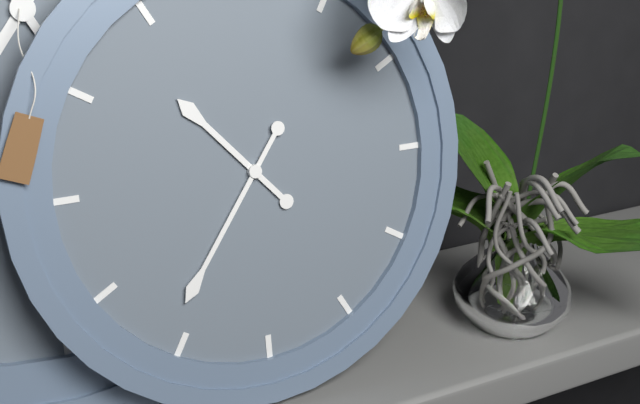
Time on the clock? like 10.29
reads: 10.36
